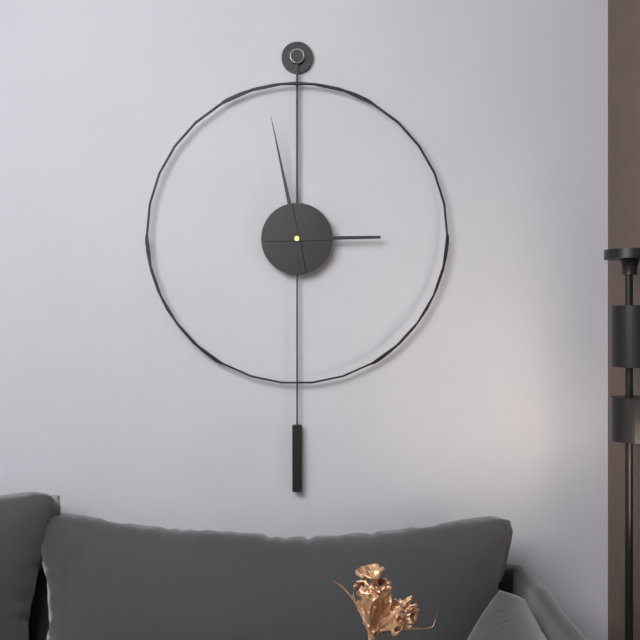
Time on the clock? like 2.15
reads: 2.58
